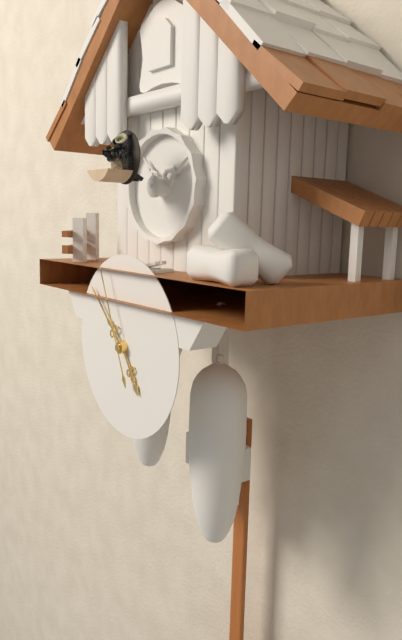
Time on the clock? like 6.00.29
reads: 4.52.56
